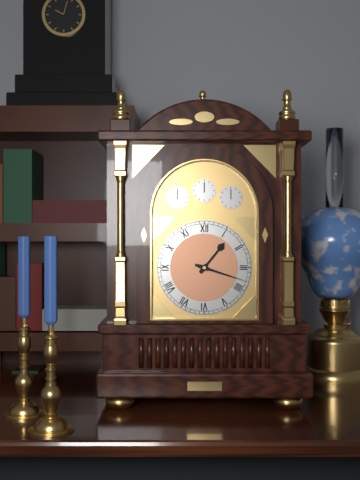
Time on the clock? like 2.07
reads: 1.18
